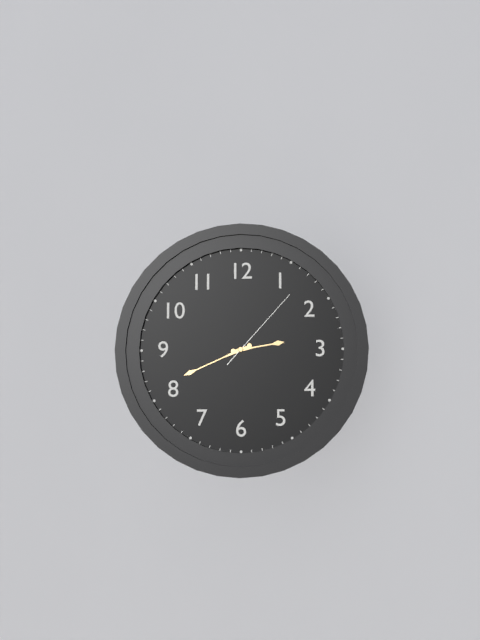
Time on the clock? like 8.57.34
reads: 2.41.07
